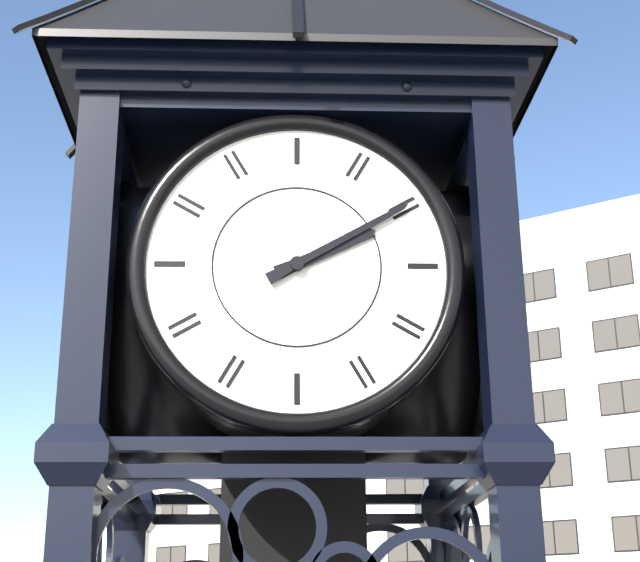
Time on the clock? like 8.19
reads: 2.10
